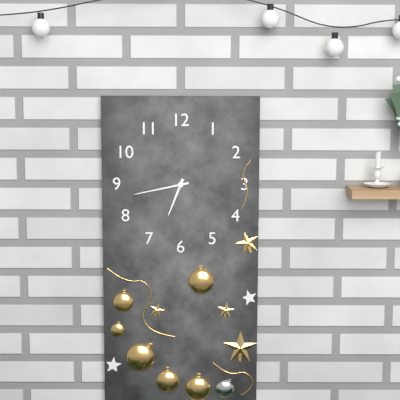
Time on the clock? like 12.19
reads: 6.43
